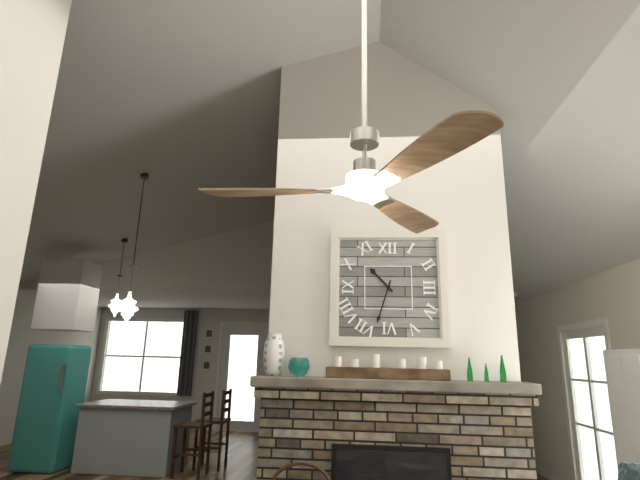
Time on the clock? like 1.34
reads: 10.33
